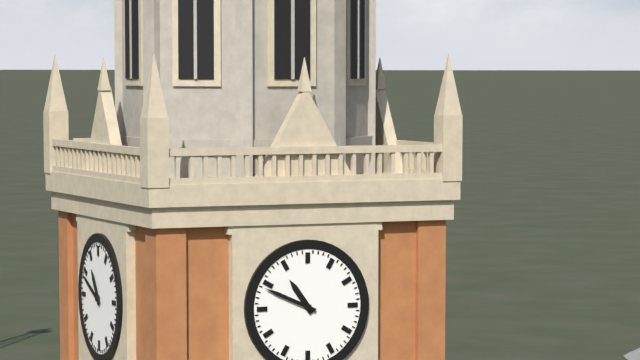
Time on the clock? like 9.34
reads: 10.49
